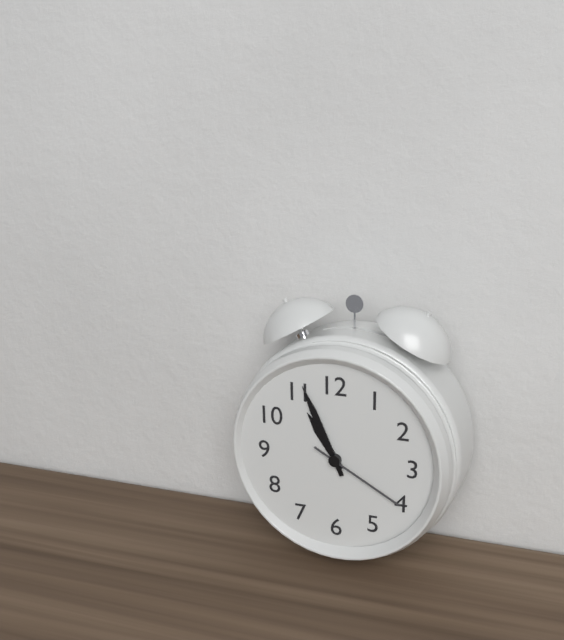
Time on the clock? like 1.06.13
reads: 10.56.20
